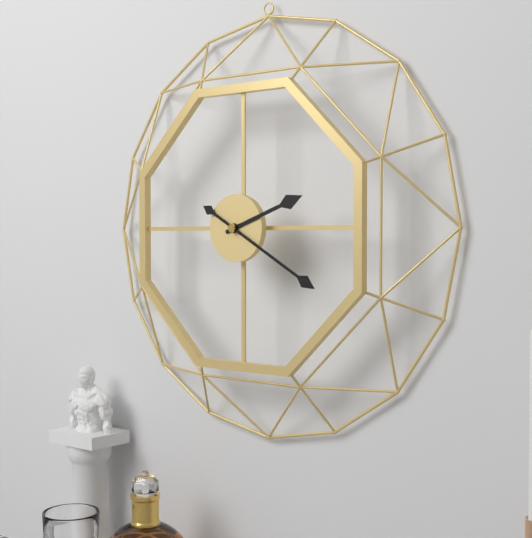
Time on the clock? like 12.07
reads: 2.20
